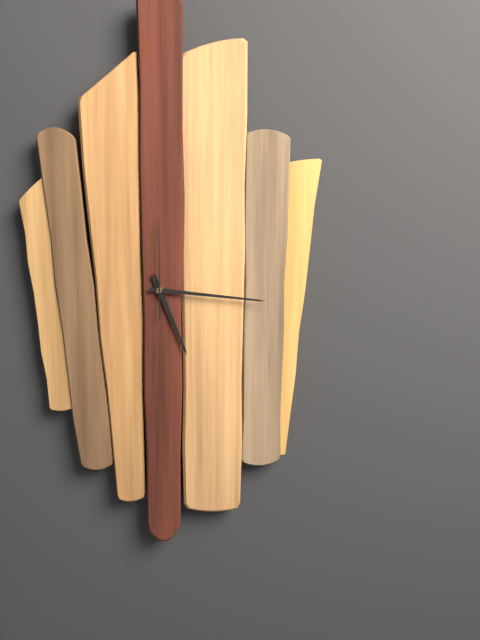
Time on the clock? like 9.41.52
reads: 5.16.00
